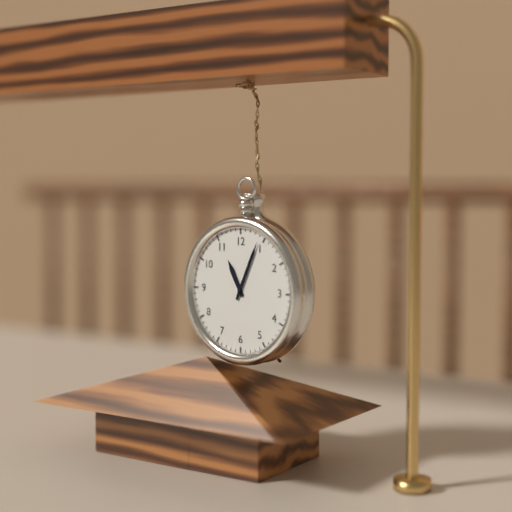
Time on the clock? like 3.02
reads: 11.04
